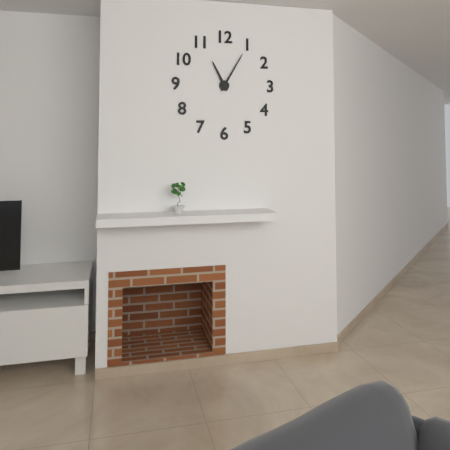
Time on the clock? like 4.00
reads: 11.05
